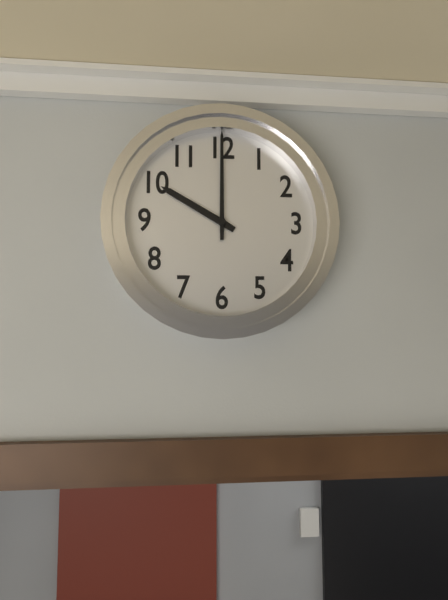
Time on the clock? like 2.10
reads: 10.00
